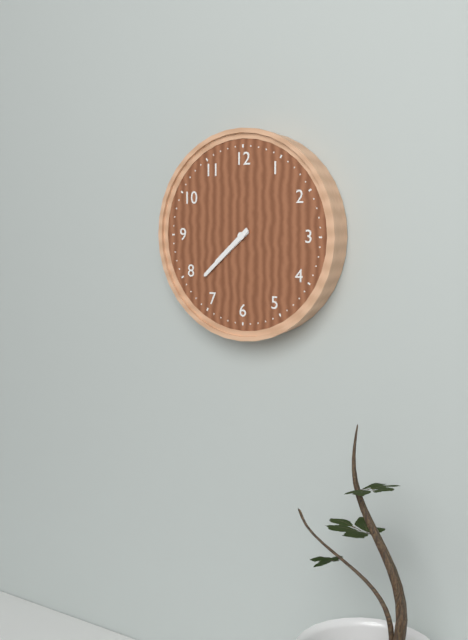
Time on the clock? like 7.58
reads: 7.38
